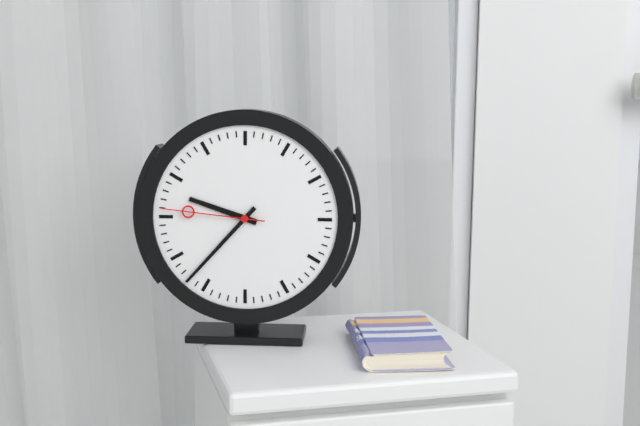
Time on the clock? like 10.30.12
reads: 9.37.46
